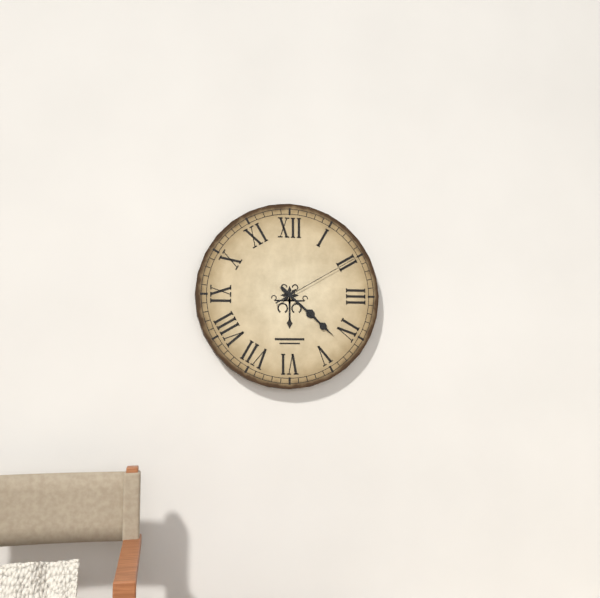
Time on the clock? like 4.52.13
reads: 4.22.10
